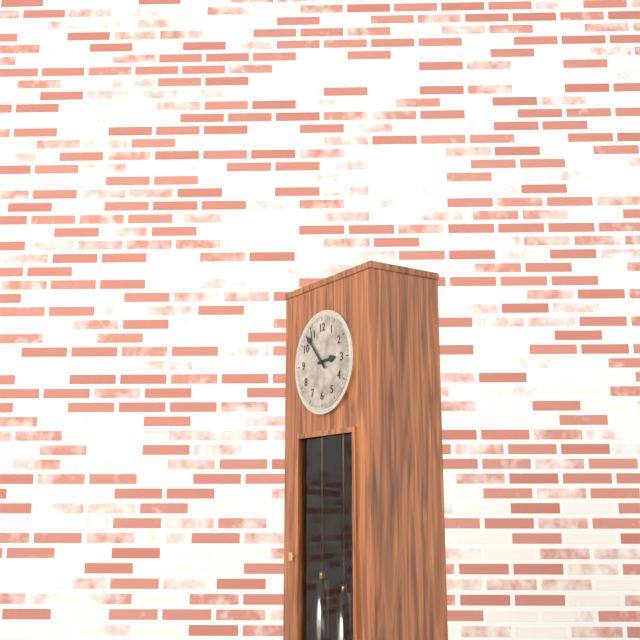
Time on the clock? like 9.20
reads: 2.53
